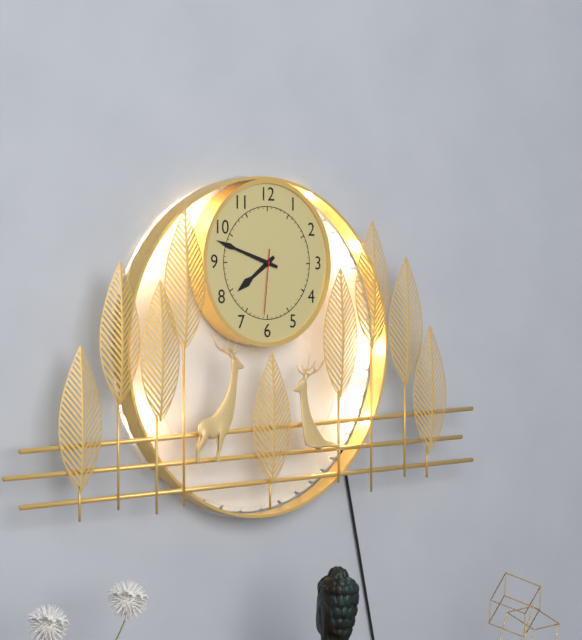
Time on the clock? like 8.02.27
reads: 7.48.31
